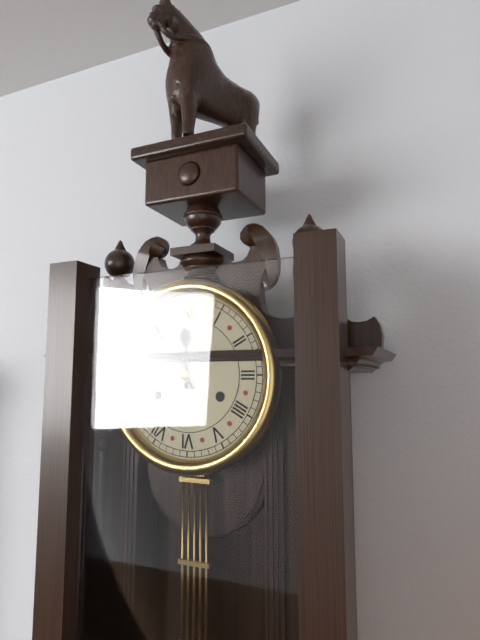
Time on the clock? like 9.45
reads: 11.54
